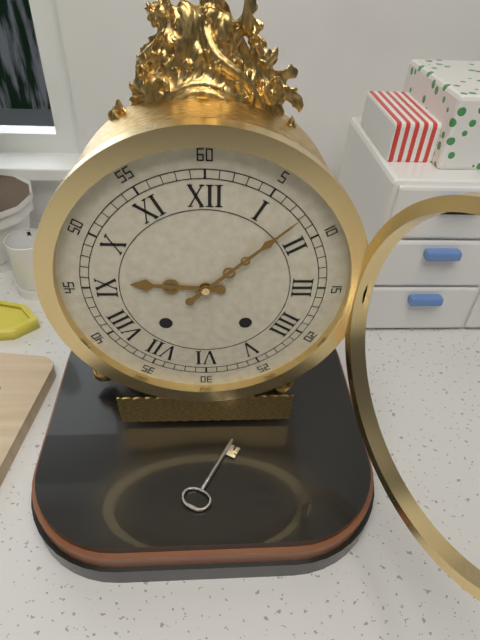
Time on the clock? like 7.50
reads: 9.08
